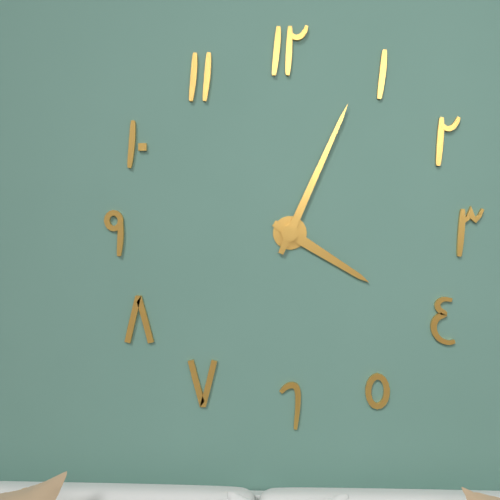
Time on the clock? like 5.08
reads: 4.04
